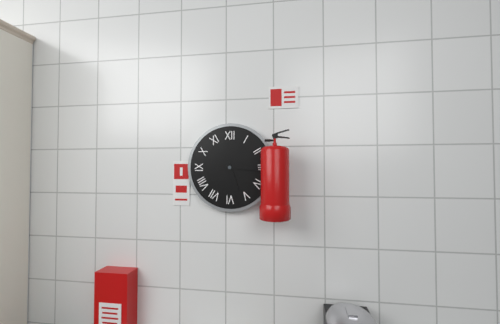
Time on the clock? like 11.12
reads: 5.16
